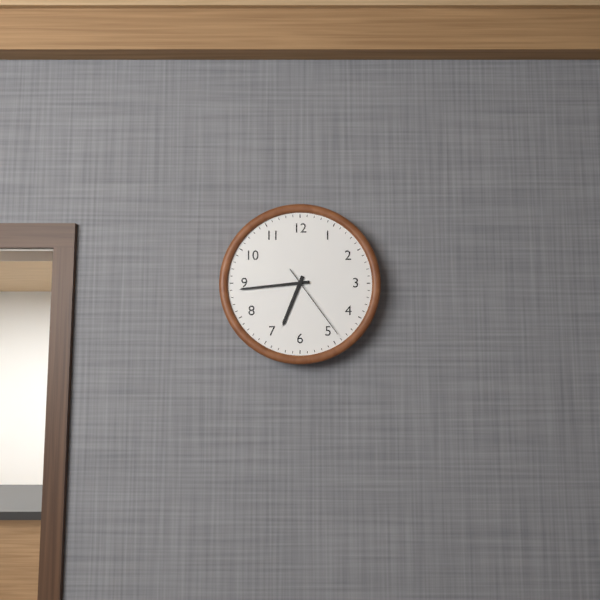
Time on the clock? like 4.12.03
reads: 6.44.24
